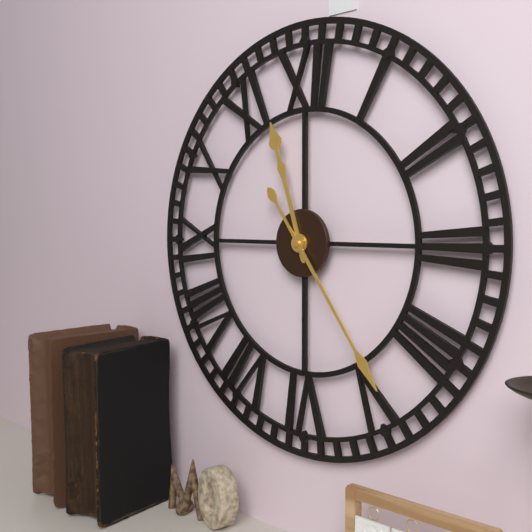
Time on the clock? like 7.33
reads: 11.24
